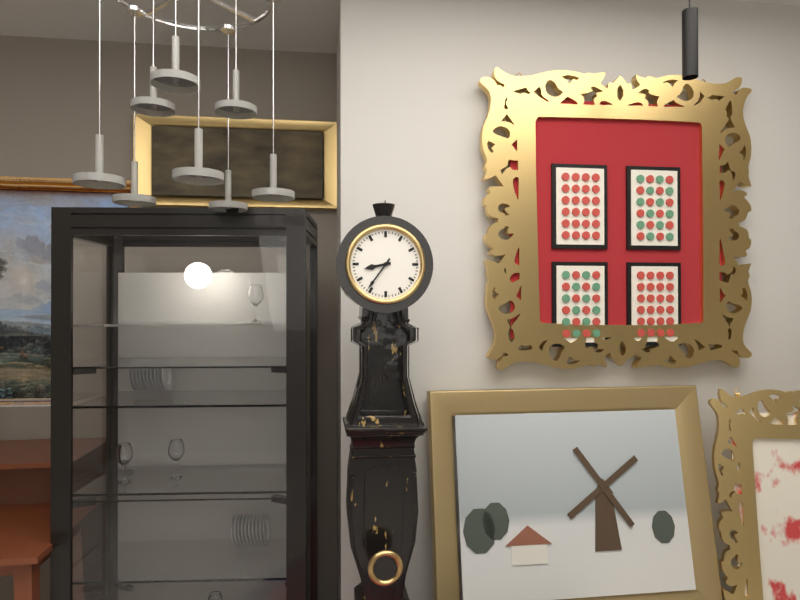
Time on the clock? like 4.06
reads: 8.36
